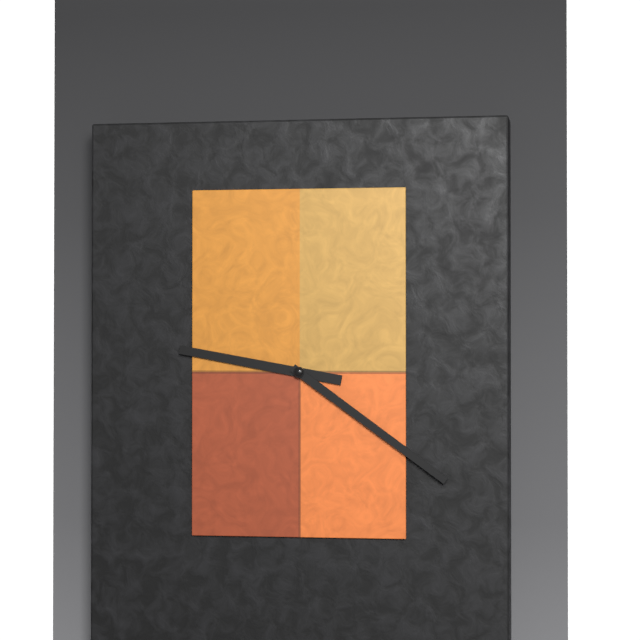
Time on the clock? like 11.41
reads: 9.21
